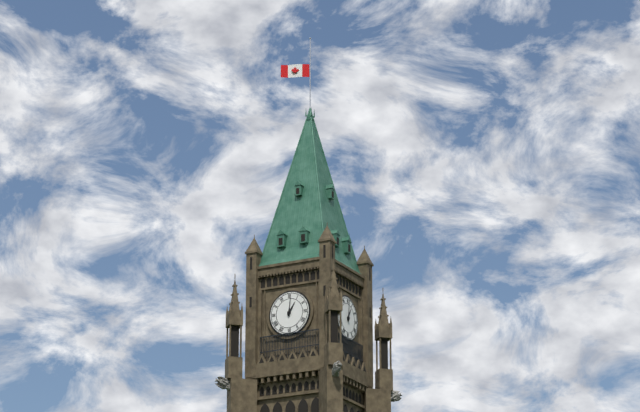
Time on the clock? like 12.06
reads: 1.01
